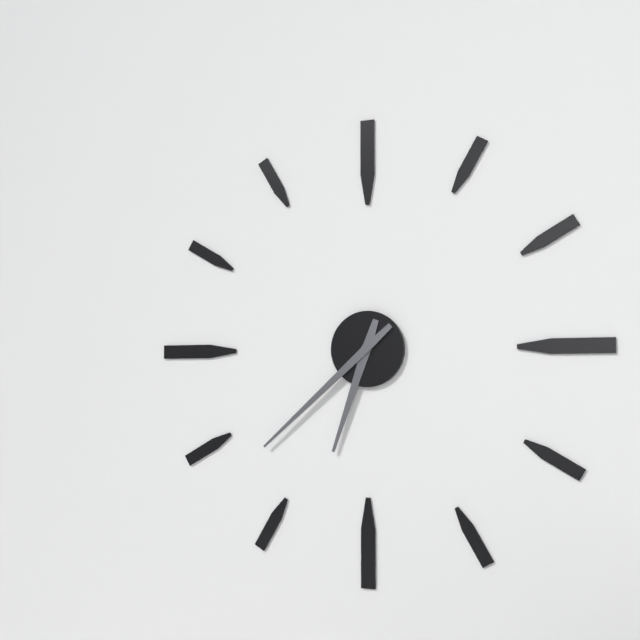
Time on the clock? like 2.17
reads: 6.38
